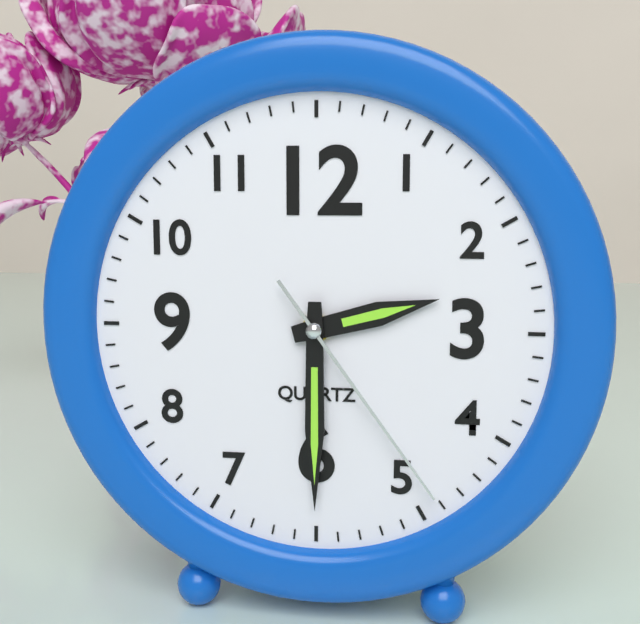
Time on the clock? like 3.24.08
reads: 2.30.24
